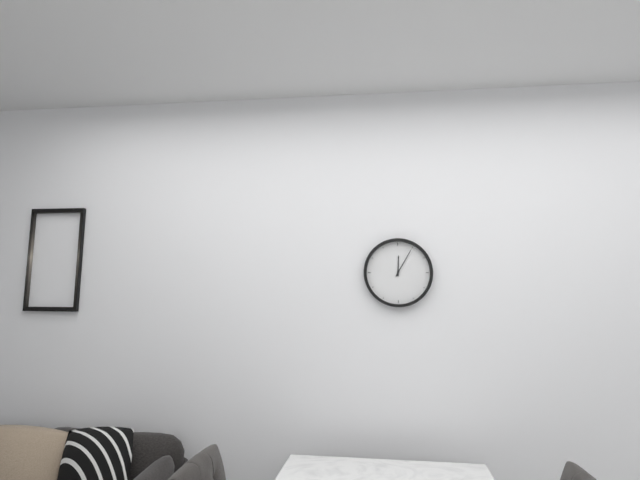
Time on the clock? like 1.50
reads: 12.05
